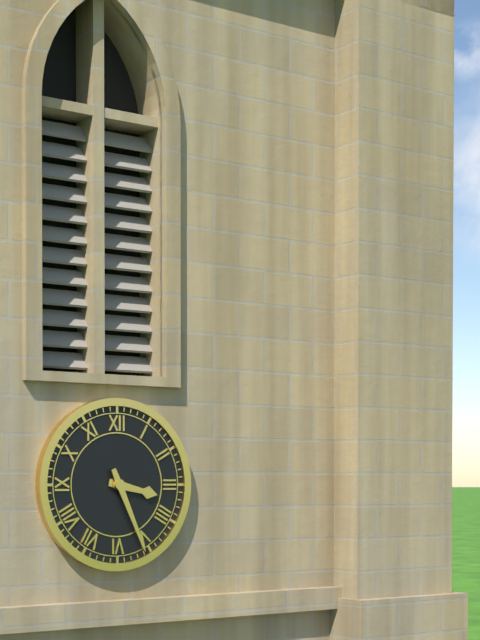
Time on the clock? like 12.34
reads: 3.26
